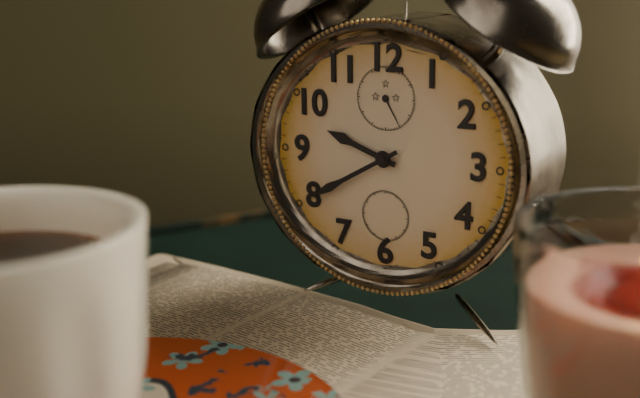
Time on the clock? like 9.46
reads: 9.40
